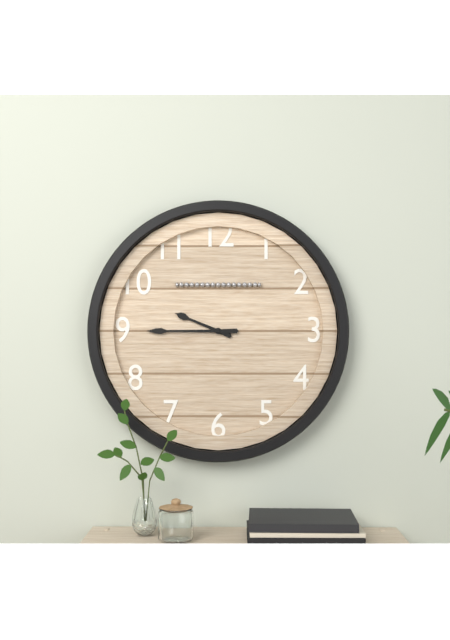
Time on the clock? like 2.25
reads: 9.45
